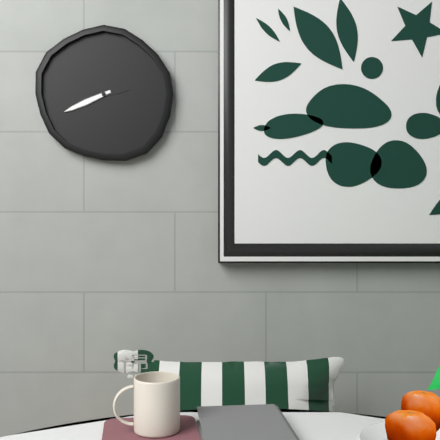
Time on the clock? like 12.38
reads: 2.41
